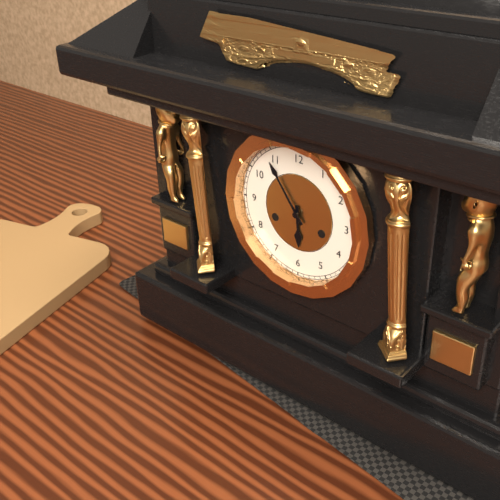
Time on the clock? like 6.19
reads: 5.54
